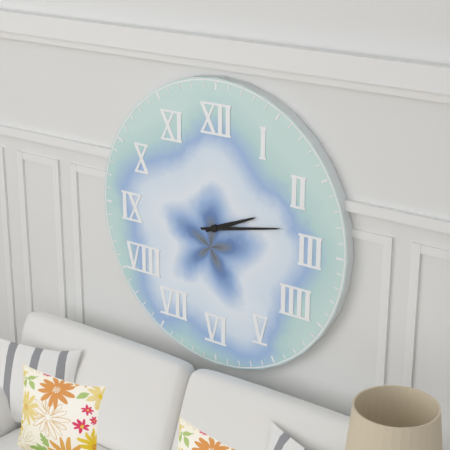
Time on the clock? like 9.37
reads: 2.13
